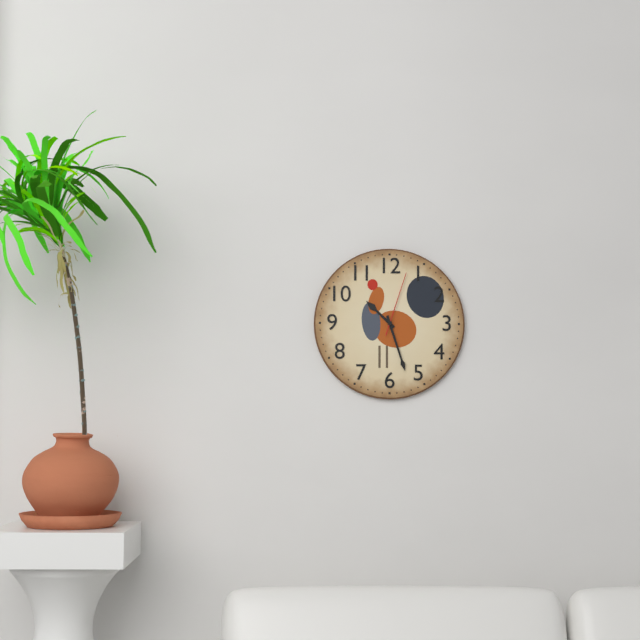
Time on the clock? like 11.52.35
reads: 10.27.03
